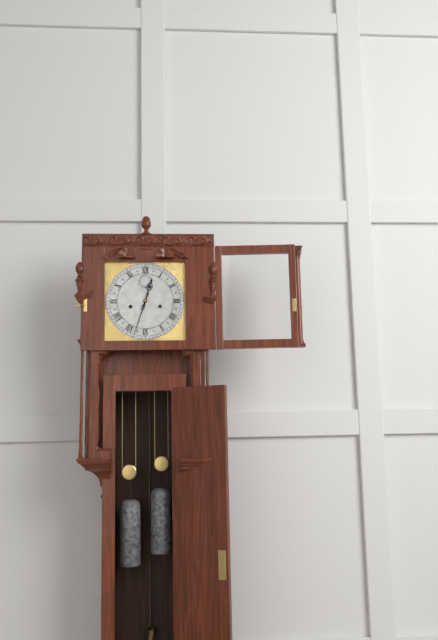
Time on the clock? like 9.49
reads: 12.33
